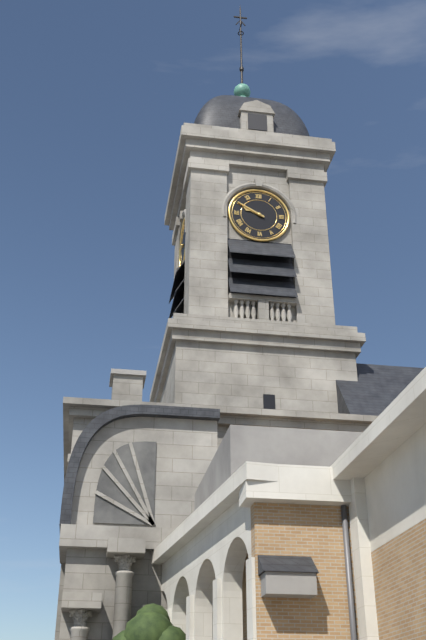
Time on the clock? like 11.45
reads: 9.50
